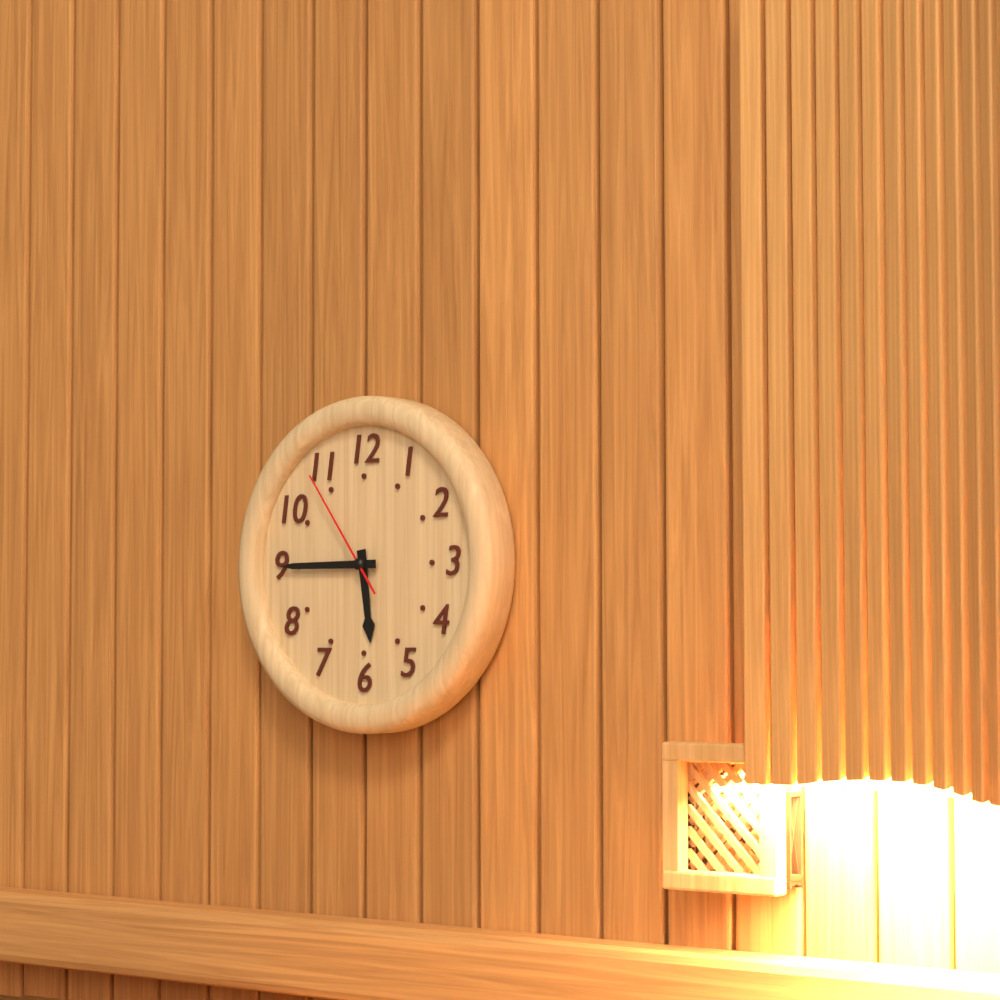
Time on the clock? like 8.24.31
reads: 5.45.54
